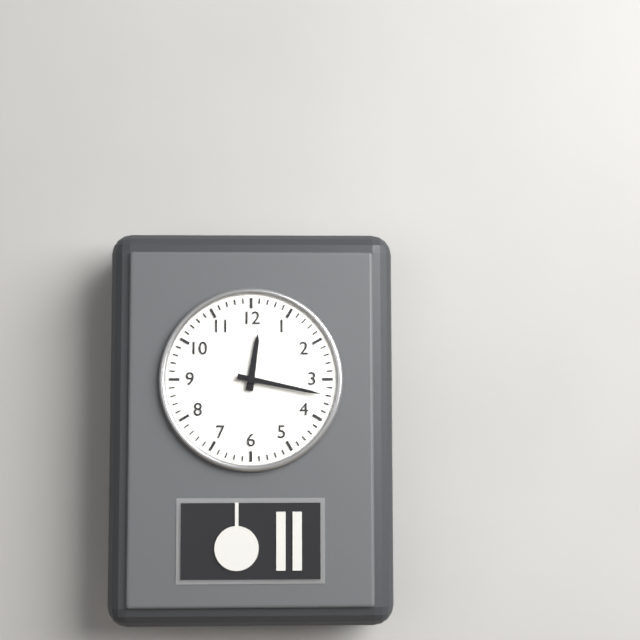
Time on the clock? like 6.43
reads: 12.17
